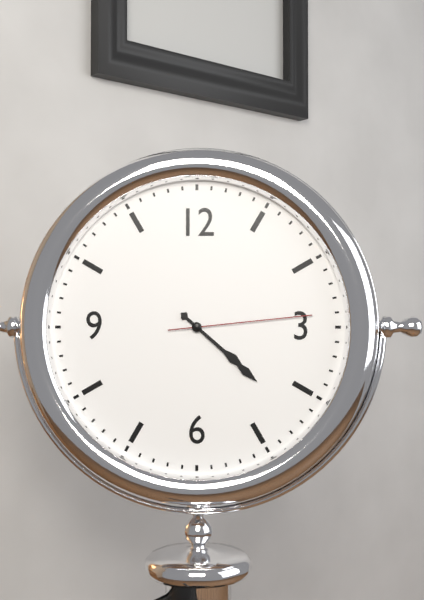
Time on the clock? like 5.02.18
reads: 4.22.14
